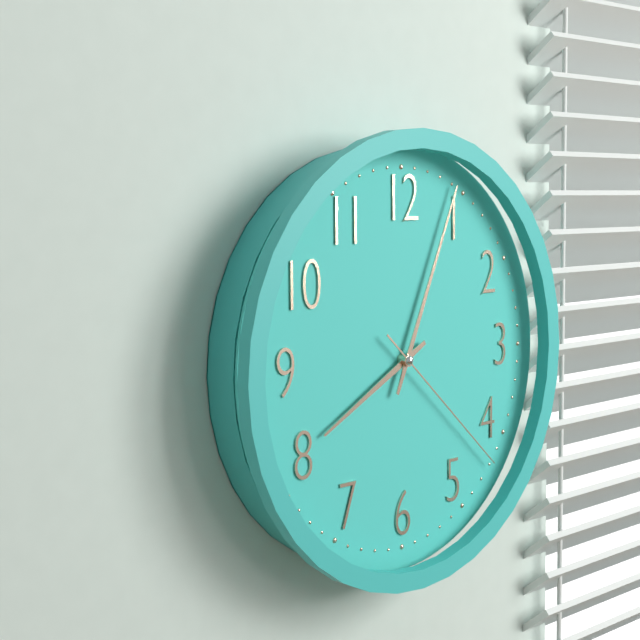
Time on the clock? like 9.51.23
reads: 8.04.22
